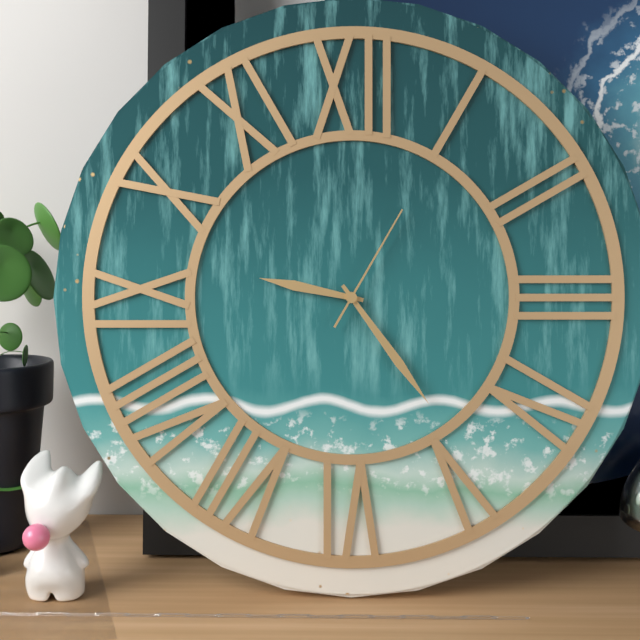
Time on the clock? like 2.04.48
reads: 9.24.05
